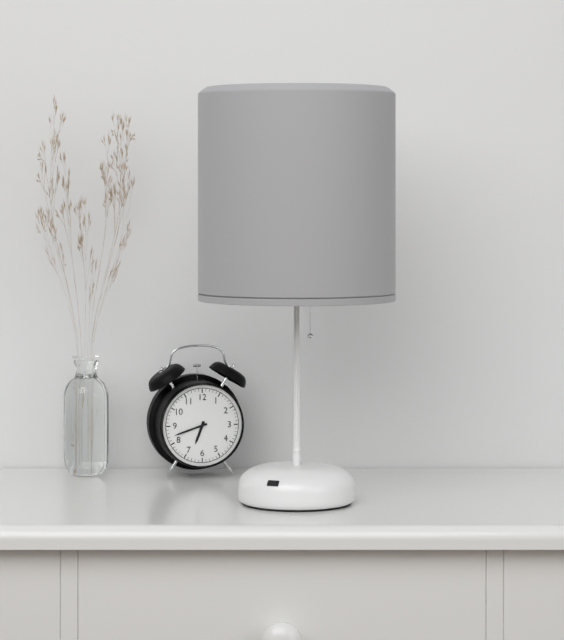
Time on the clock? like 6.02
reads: 6.42
